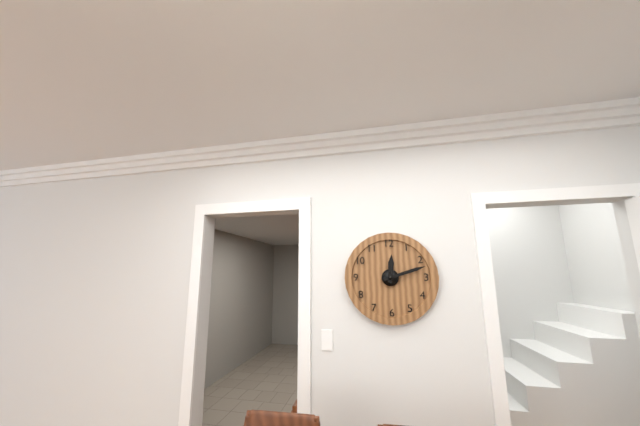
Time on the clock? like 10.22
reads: 12.12
